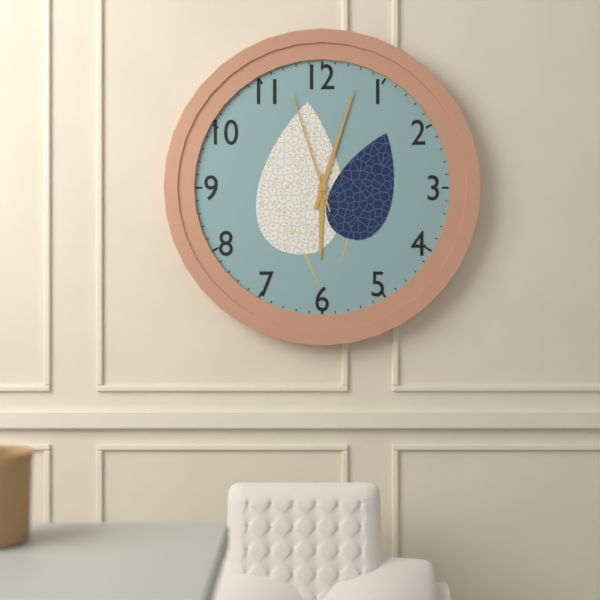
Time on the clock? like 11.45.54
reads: 6.03.57
